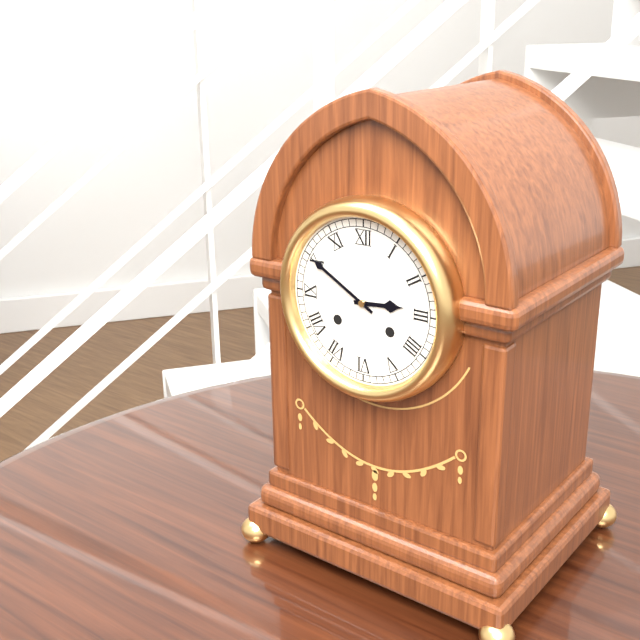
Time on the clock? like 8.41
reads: 2.50
